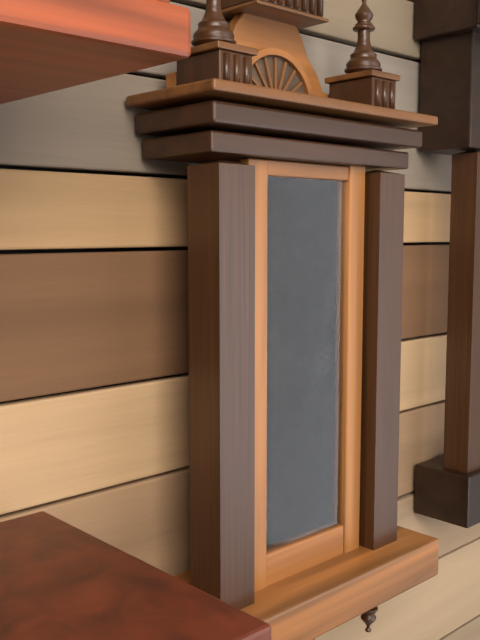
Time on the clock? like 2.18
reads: 6.58
